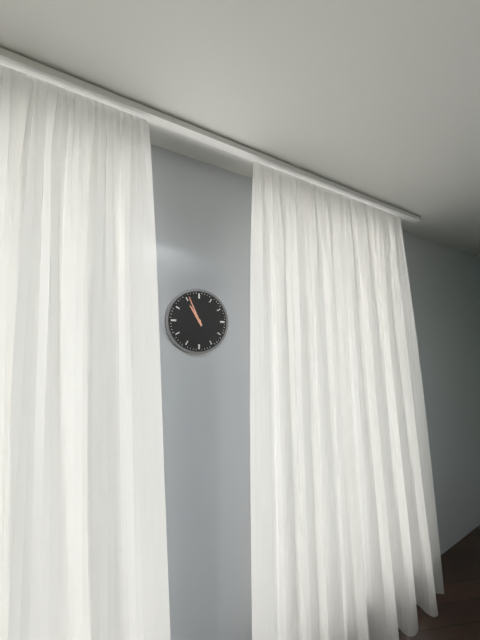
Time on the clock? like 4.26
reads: 10.56
